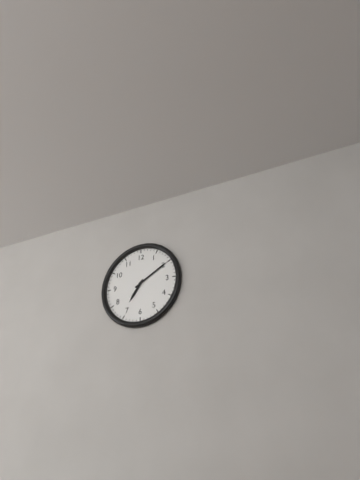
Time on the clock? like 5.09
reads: 7.10
